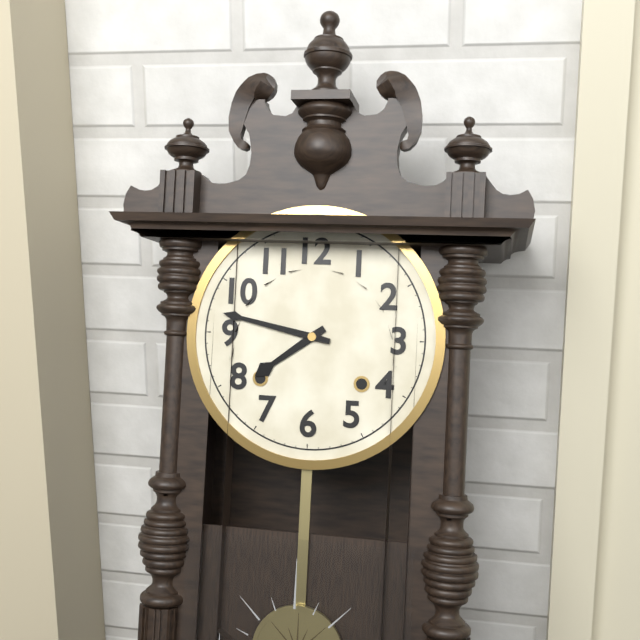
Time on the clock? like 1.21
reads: 7.47
